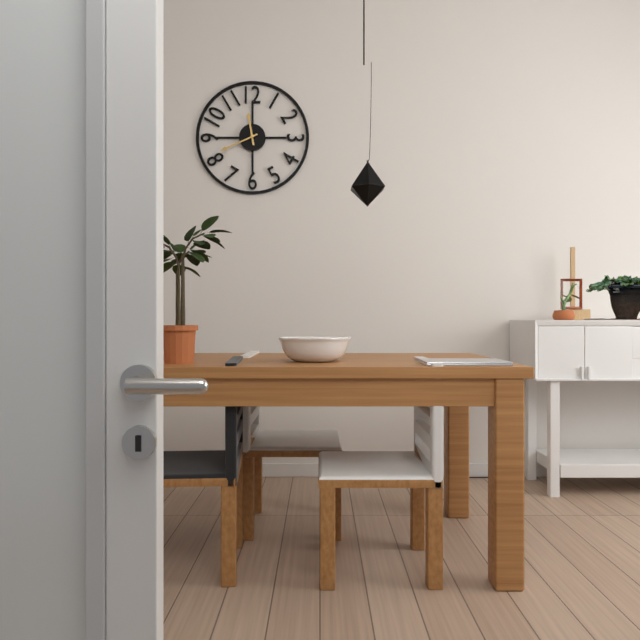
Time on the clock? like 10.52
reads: 11.41
